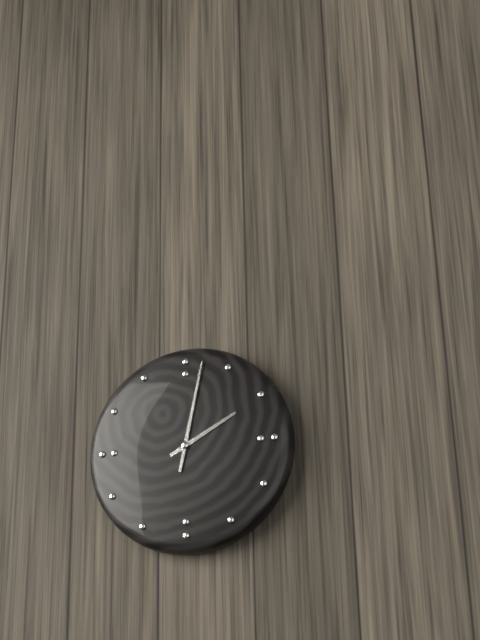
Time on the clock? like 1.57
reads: 2.02
